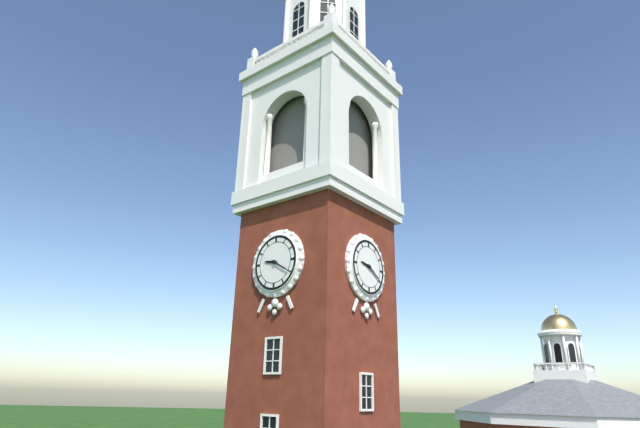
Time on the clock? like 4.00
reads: 9.20
